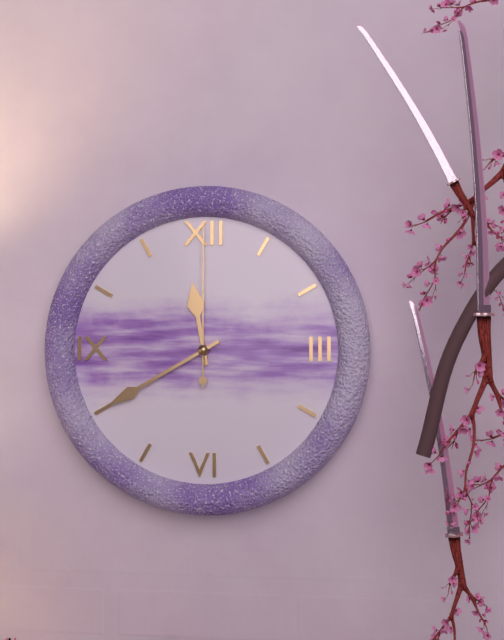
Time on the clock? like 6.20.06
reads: 11.40.00
